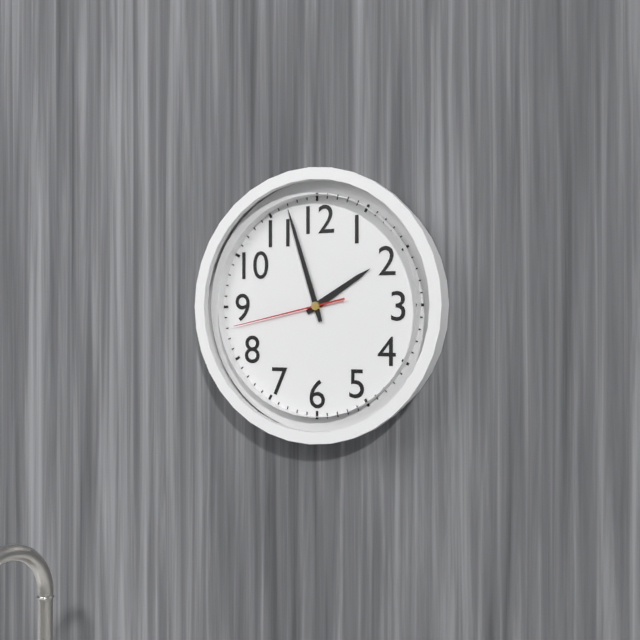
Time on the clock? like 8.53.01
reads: 1.57.43
